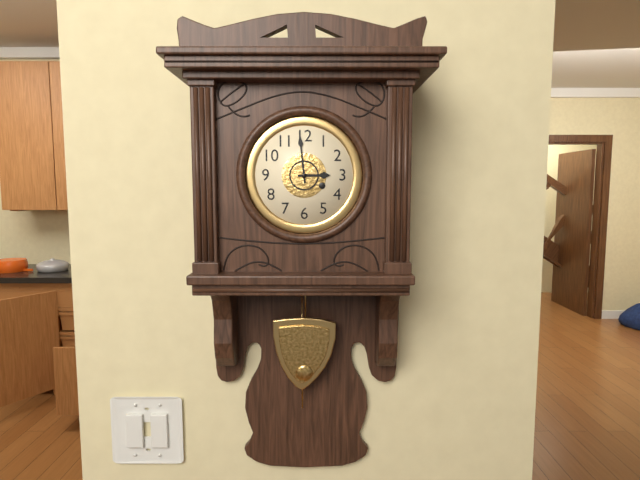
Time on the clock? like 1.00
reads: 2.59
